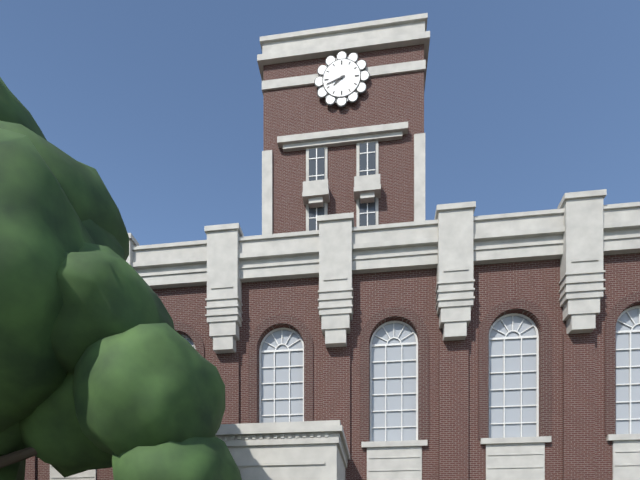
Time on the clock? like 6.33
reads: 7.42
